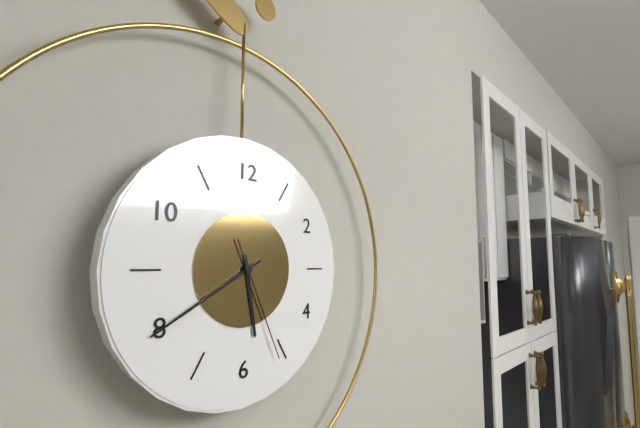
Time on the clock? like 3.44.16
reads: 5.40.26
